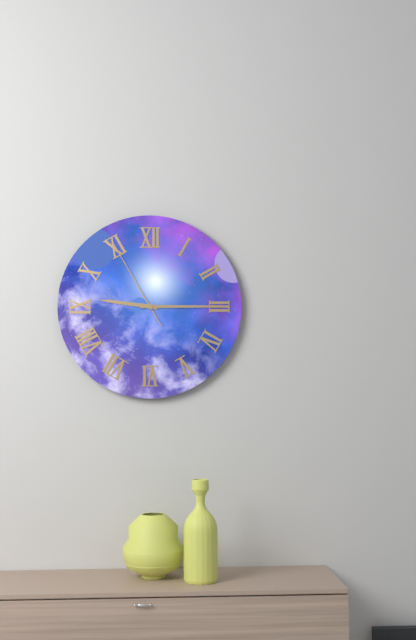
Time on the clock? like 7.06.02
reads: 9.15.55
